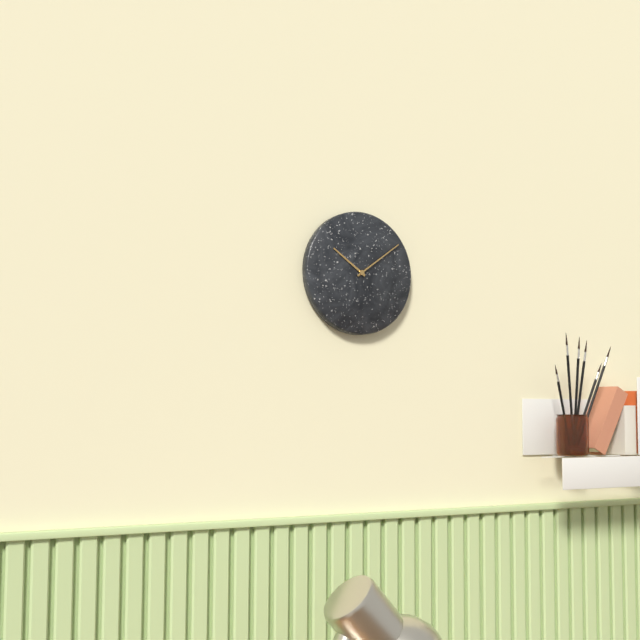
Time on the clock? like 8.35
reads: 10.09
